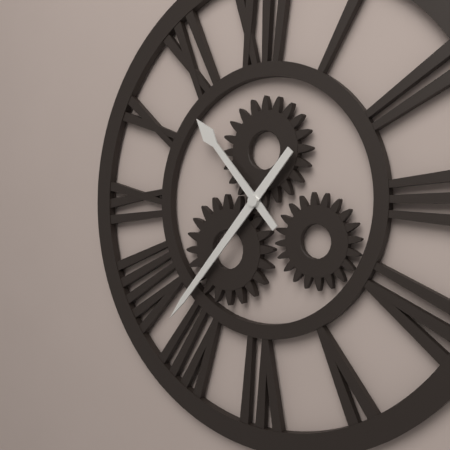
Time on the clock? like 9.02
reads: 10.37
